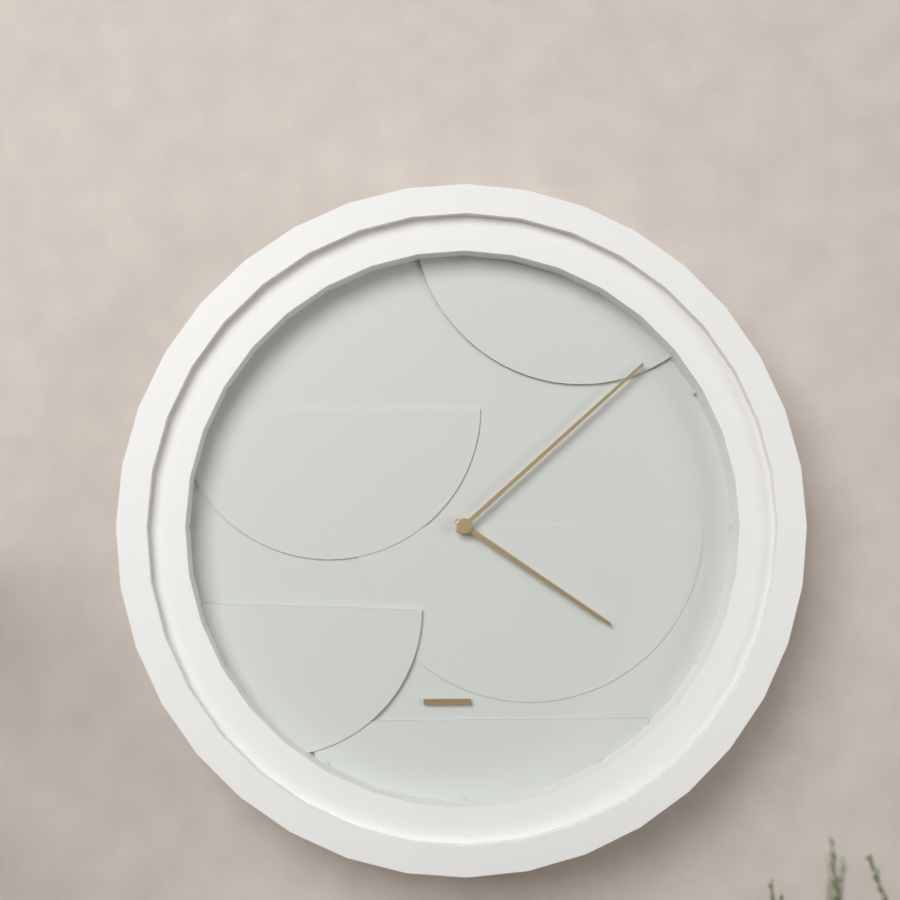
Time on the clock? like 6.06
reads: 4.08
